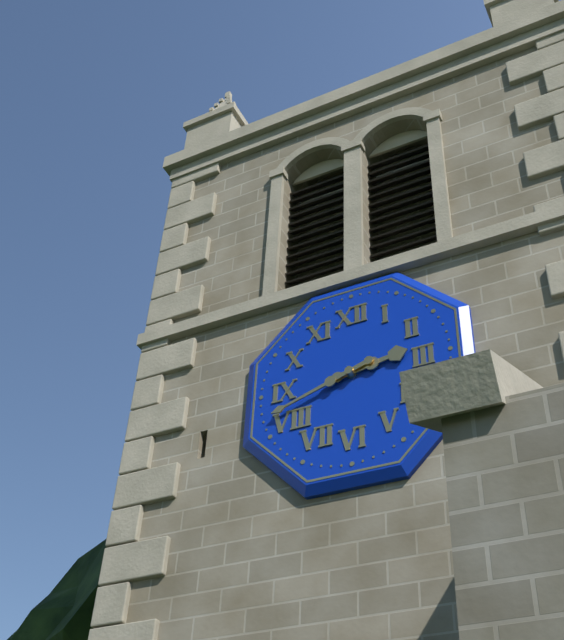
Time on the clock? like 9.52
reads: 2.42
